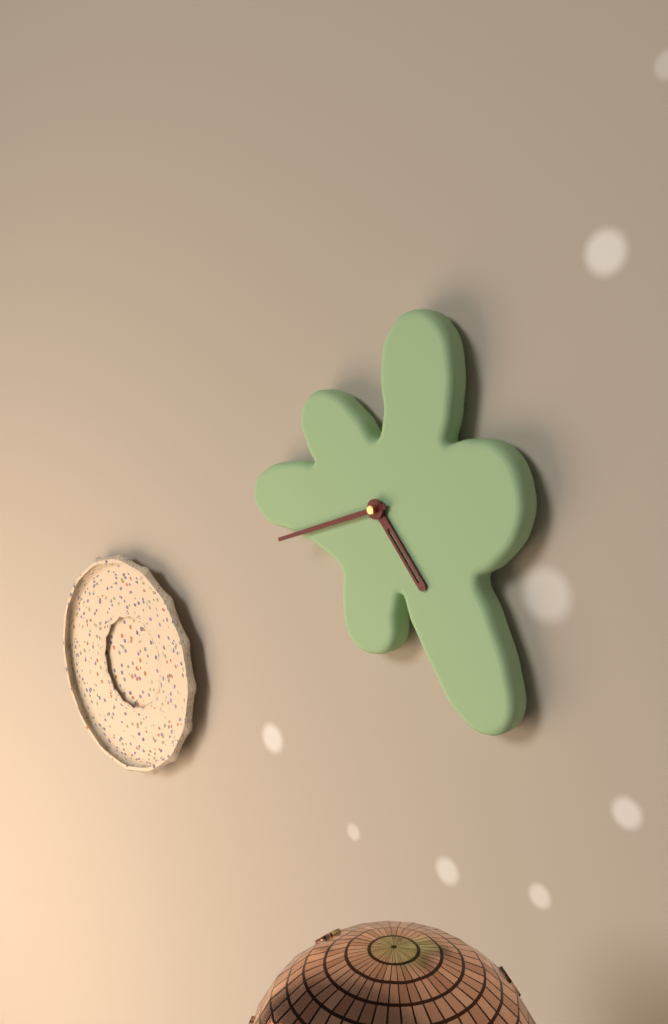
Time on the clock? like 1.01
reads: 4.42
